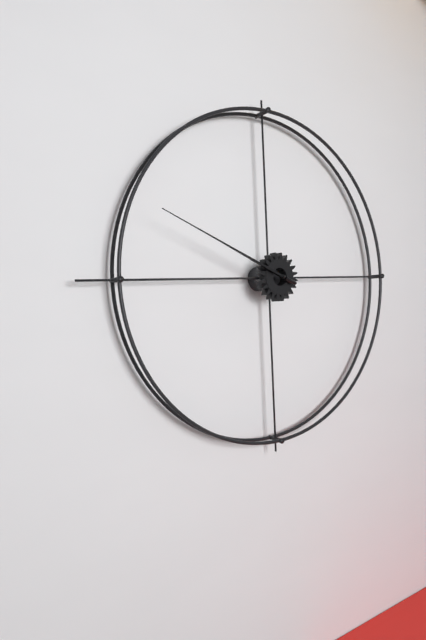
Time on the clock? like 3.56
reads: 9.49
